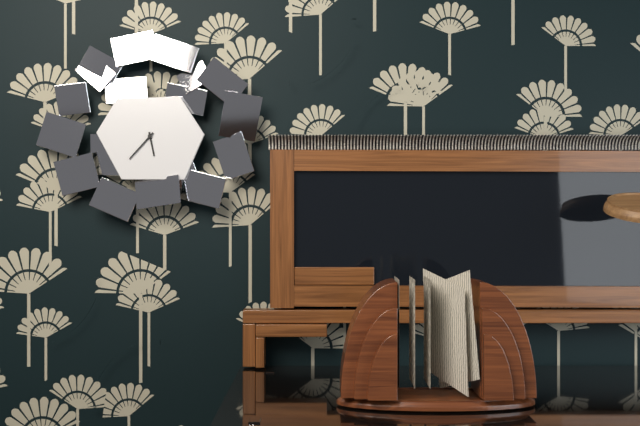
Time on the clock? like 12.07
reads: 5.37
